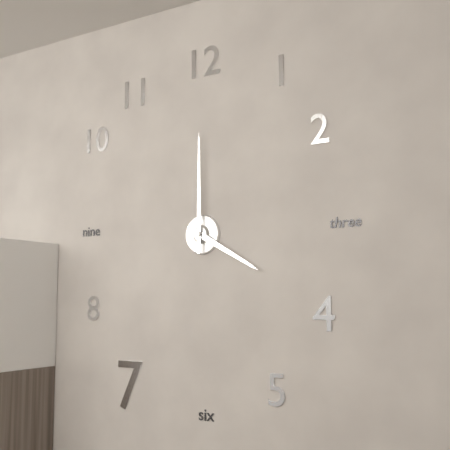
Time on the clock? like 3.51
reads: 4.00
